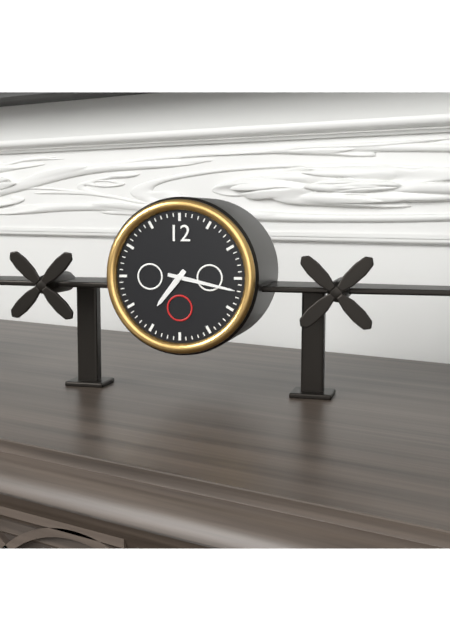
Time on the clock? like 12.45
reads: 7.17
